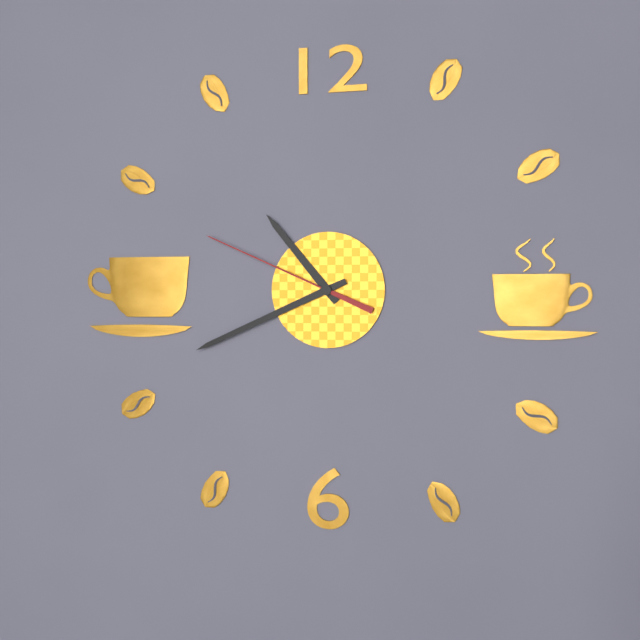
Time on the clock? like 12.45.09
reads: 10.41.49
